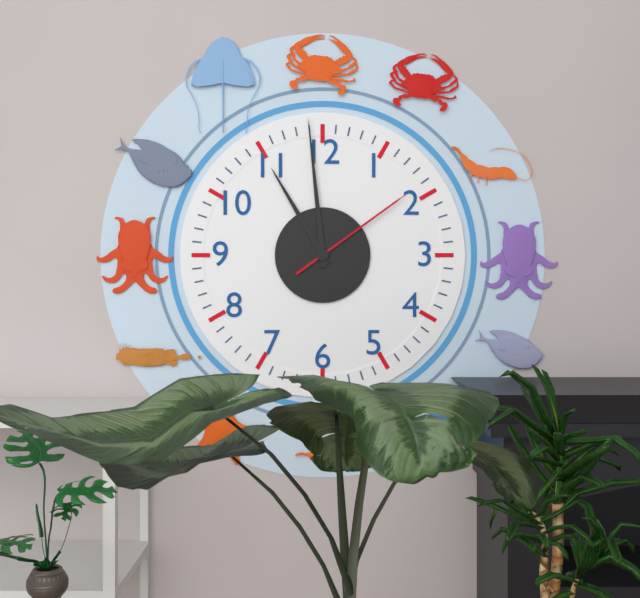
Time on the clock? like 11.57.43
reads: 10.59.09
